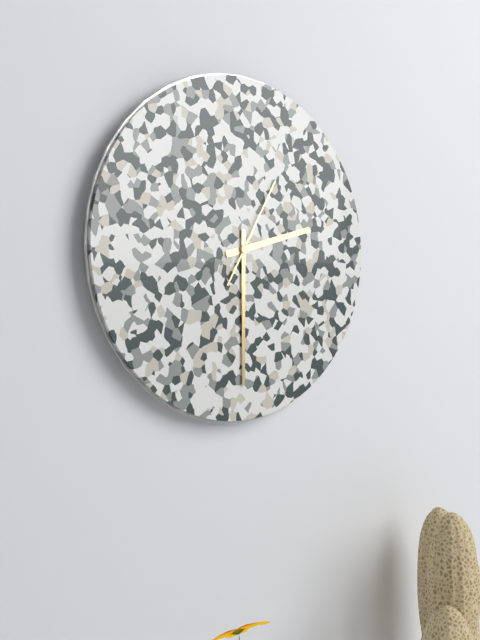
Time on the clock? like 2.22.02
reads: 2.30.05
